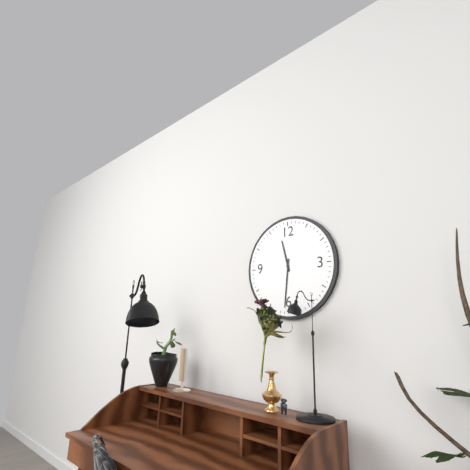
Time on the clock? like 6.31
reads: 11.31
